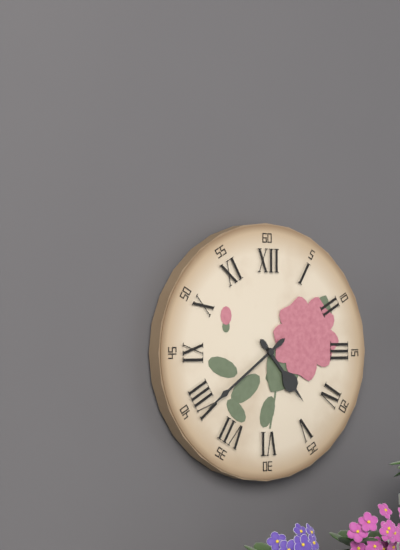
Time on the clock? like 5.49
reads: 4.39
